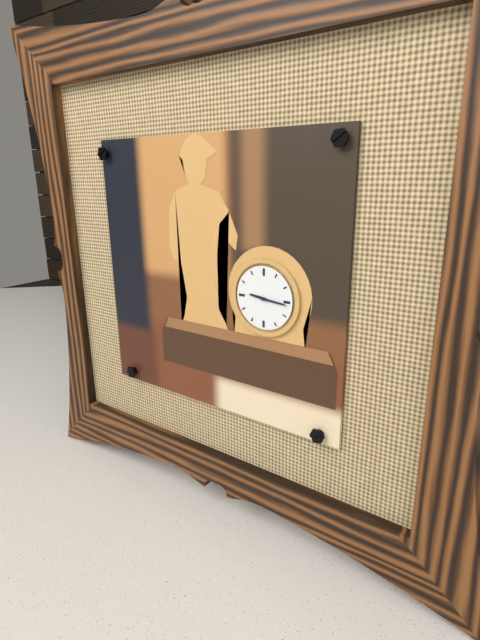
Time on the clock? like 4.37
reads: 9.16
